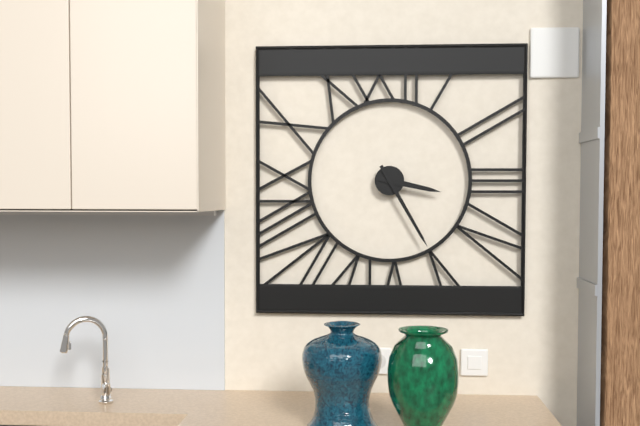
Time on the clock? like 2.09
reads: 3.25
